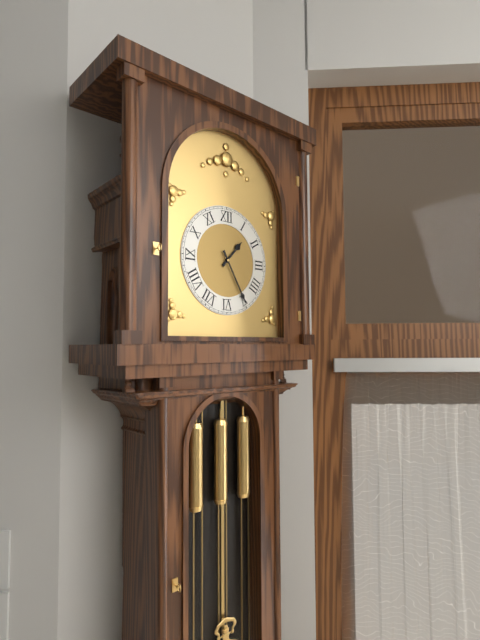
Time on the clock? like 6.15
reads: 1.25
